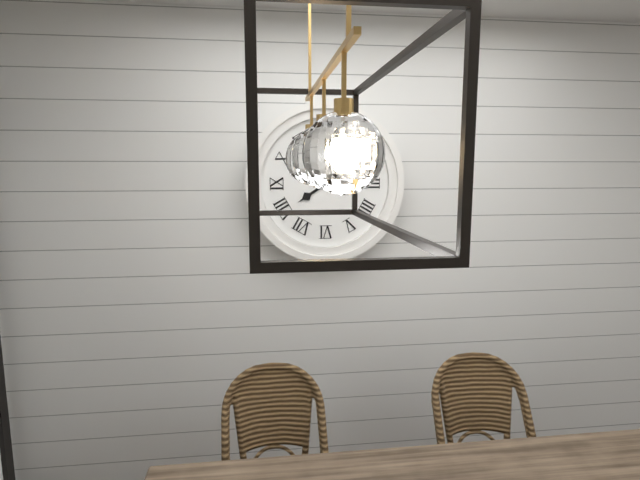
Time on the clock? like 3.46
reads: 7.53
